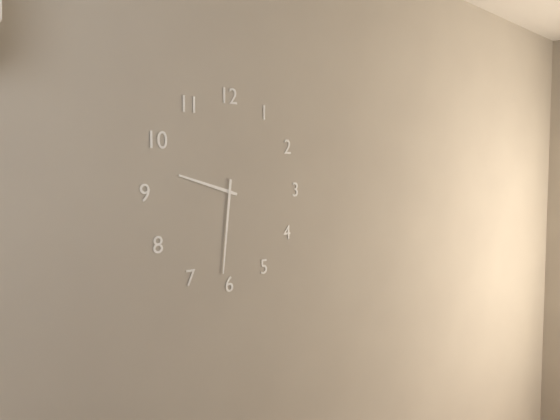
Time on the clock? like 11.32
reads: 9.31
